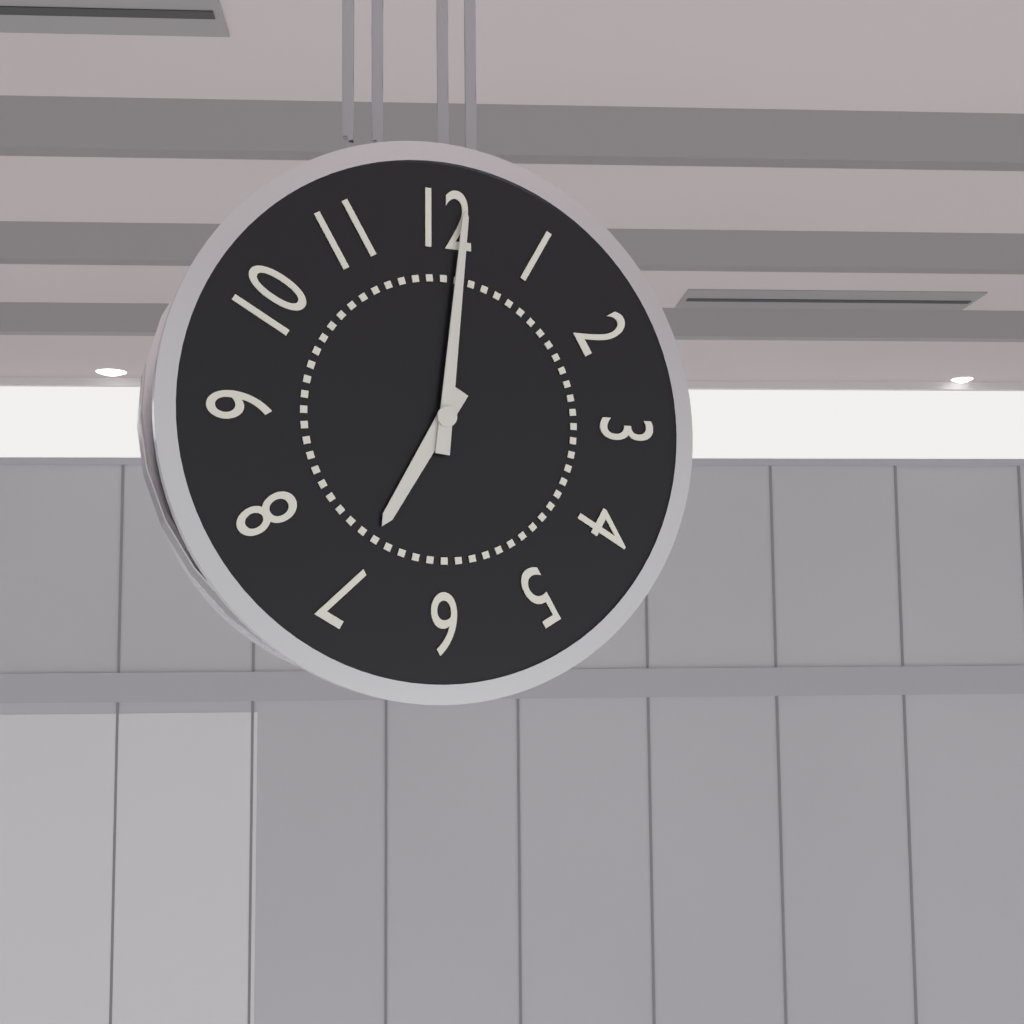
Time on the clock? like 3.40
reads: 7.01
